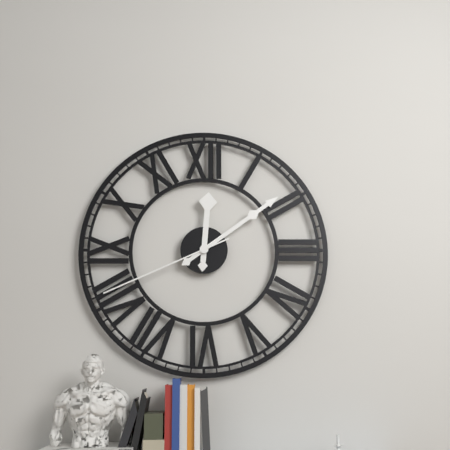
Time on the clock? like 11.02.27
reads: 12.09.41
